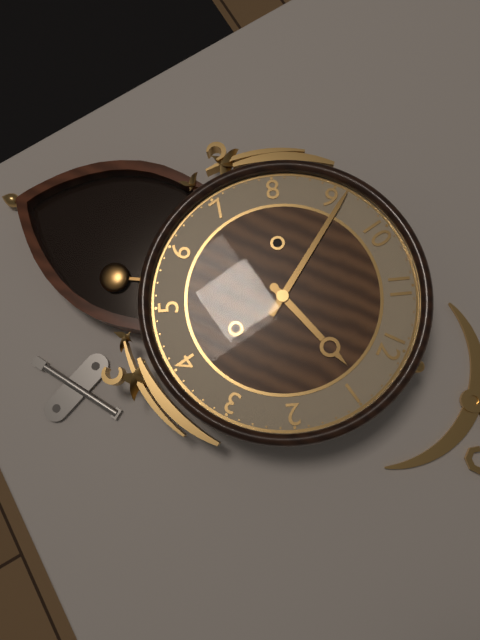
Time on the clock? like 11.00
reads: 12.46
